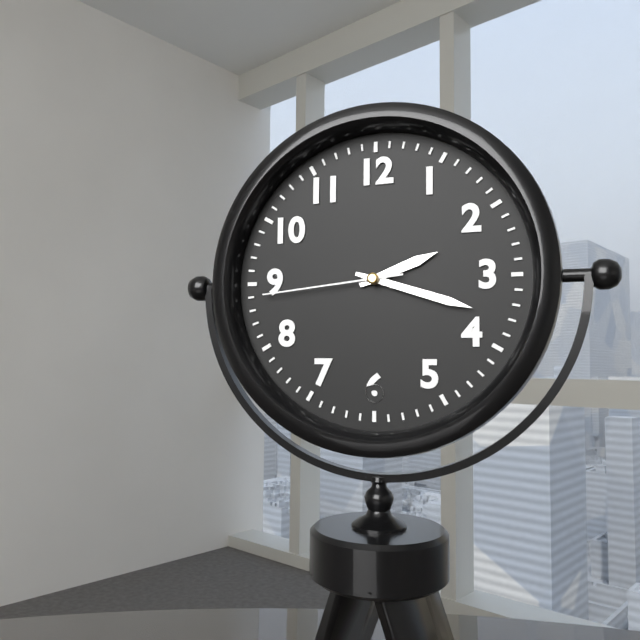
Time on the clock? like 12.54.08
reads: 2.18.44
